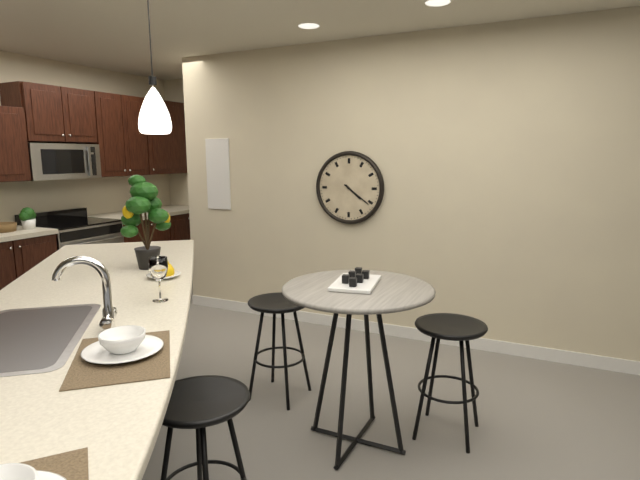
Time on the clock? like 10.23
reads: 4.21
